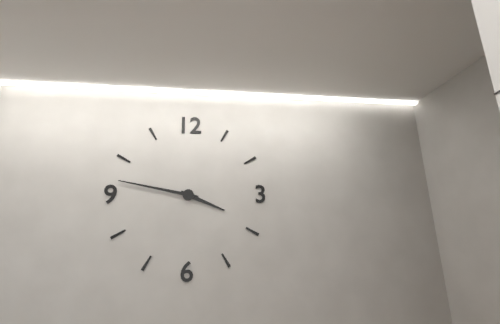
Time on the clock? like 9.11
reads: 3.47
